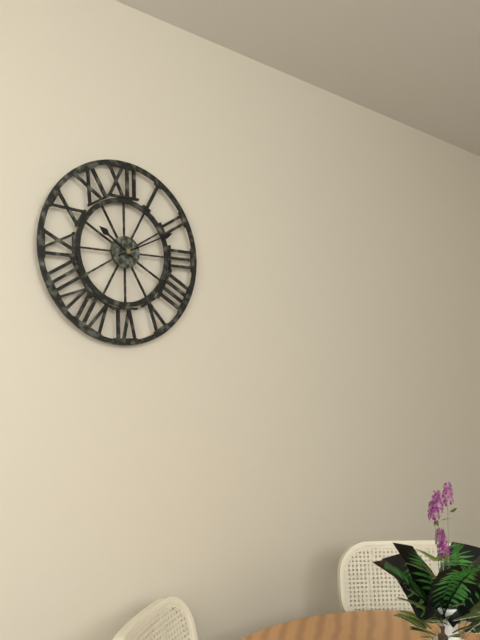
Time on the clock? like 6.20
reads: 10.11
